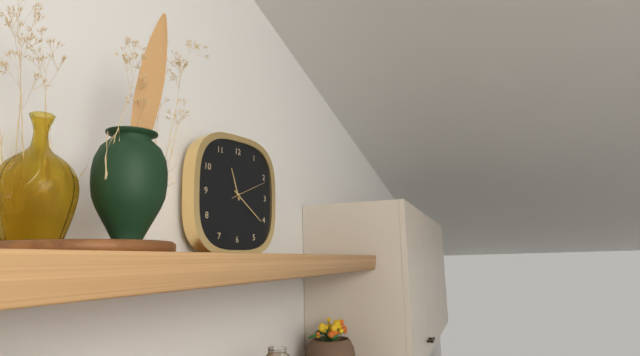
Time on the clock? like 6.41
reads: 11.21
